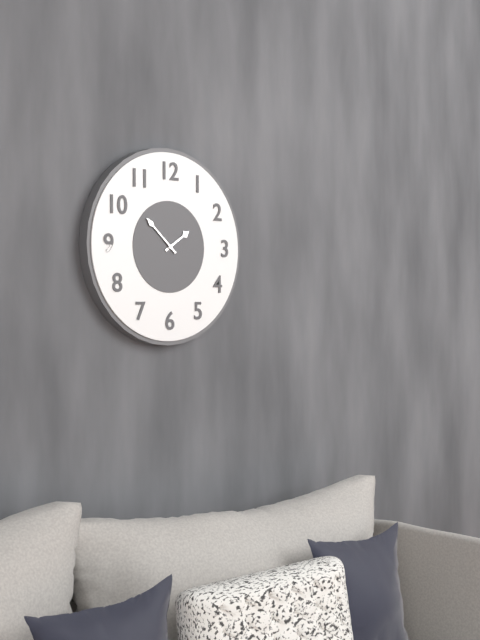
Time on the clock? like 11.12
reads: 1.52
